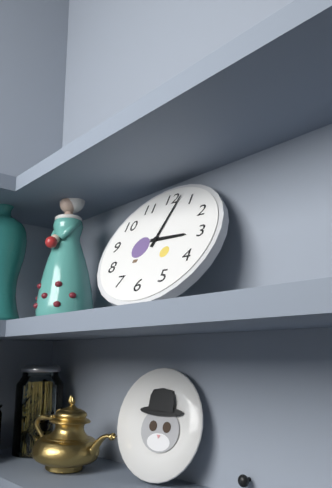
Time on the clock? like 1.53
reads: 3.02
